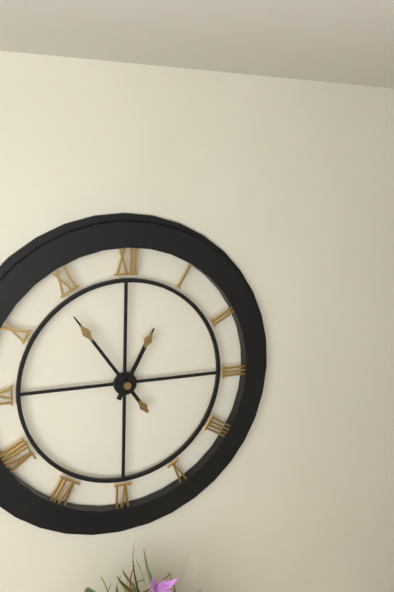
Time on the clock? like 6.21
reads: 12.54
